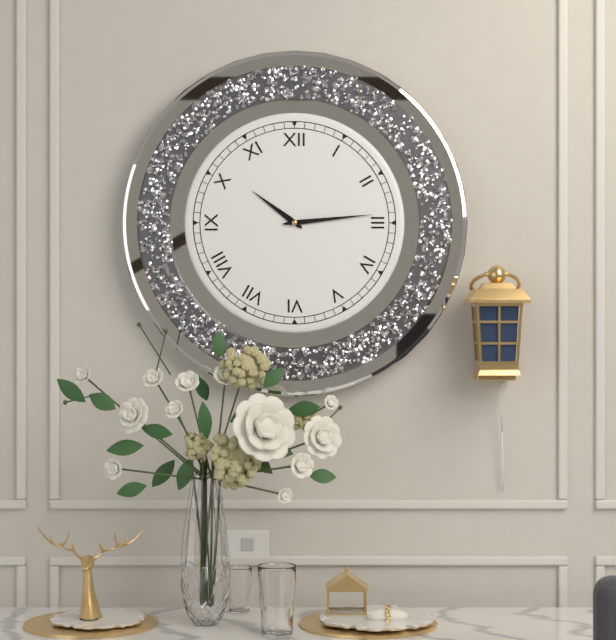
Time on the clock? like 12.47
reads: 10.14
